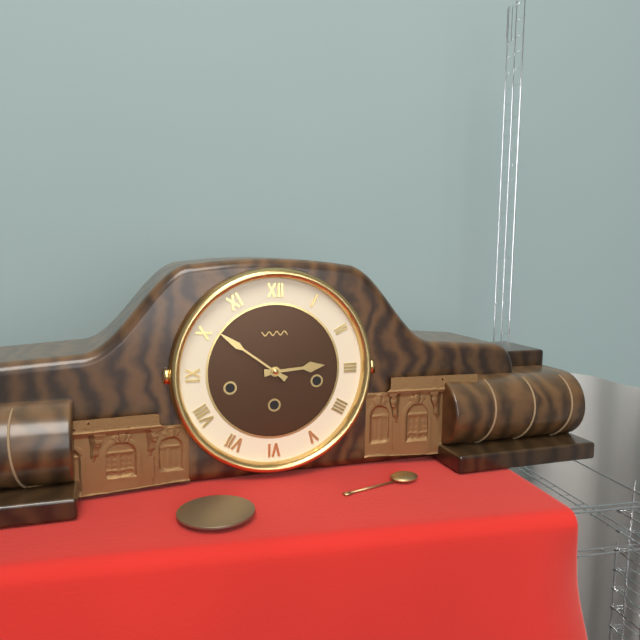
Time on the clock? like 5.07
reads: 2.51
